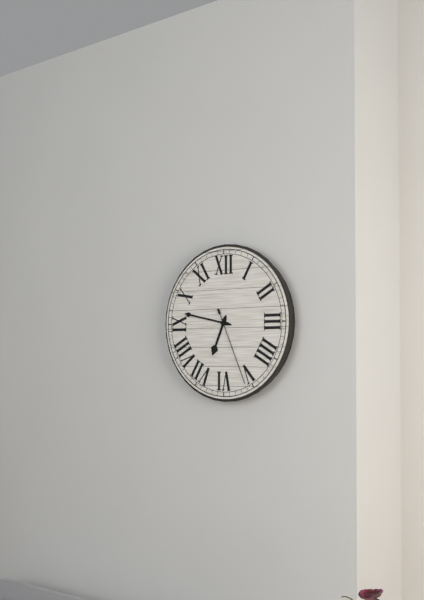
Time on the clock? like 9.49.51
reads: 6.47.26
